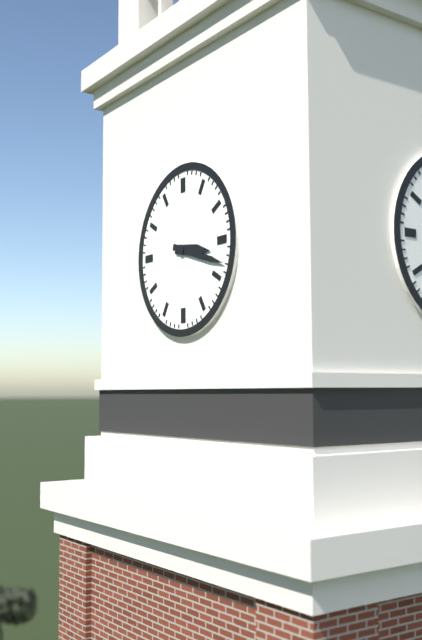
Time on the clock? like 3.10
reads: 3.18
